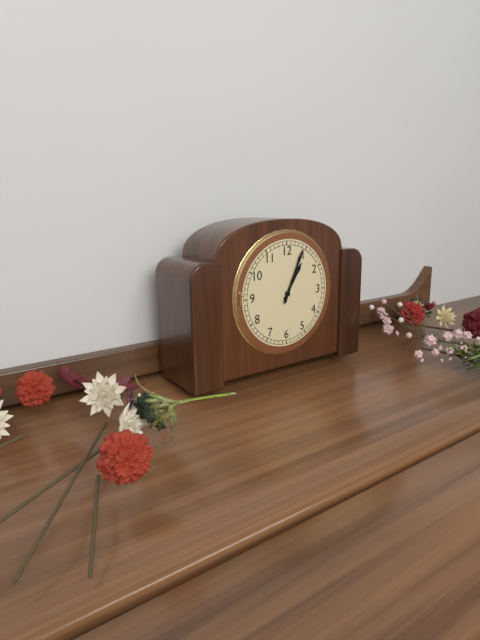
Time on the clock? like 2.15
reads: 1.04
